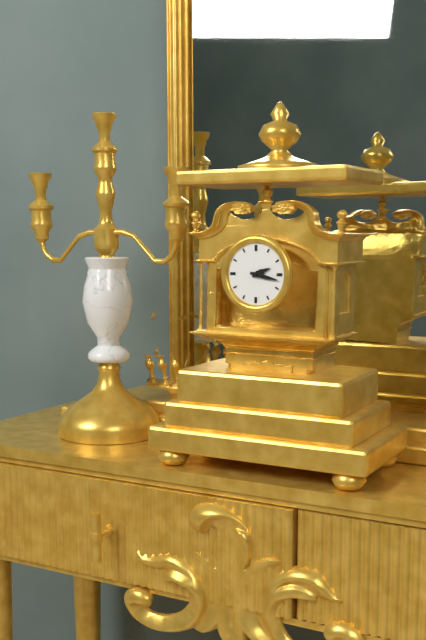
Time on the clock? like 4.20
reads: 2.17
